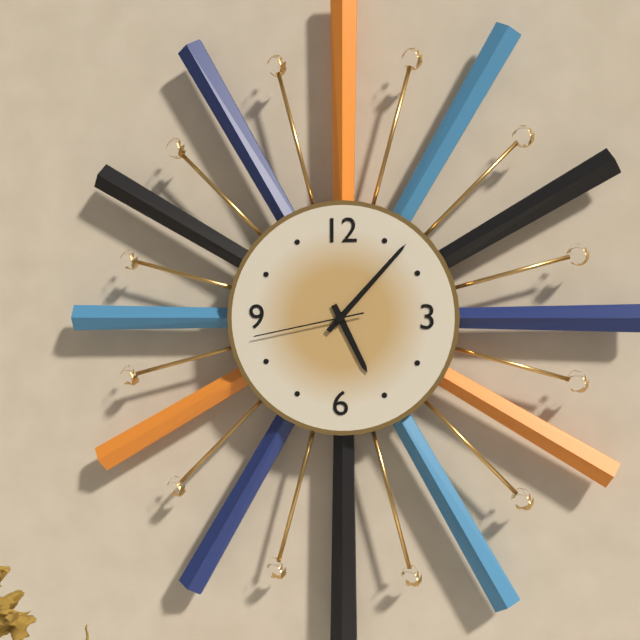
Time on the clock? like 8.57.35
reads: 5.07.43
